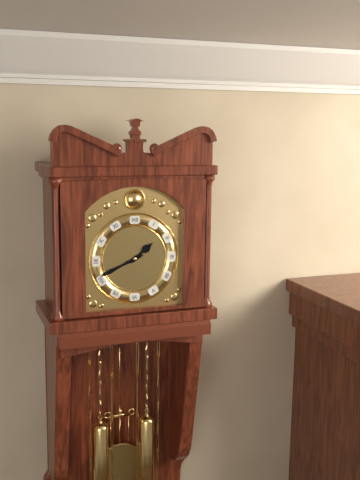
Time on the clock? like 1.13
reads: 1.41
